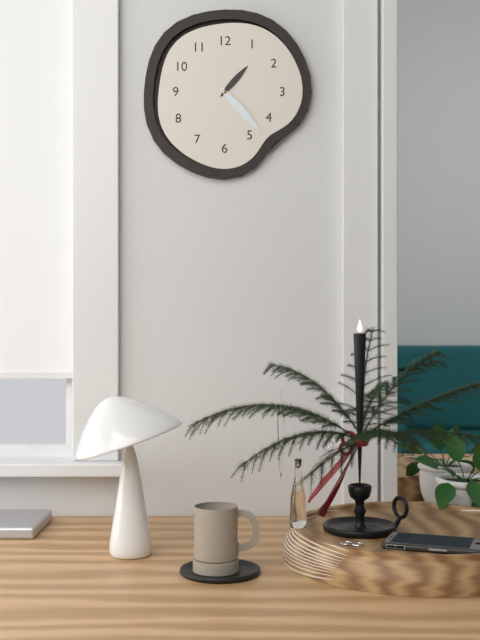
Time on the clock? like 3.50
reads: 1.23
